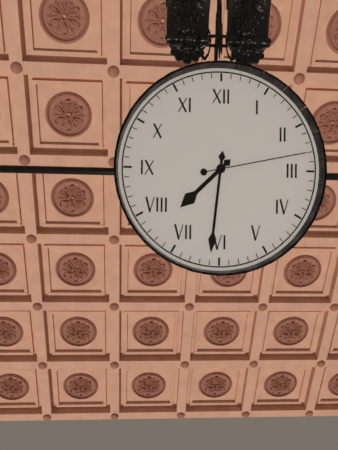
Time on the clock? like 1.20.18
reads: 7.31.13
